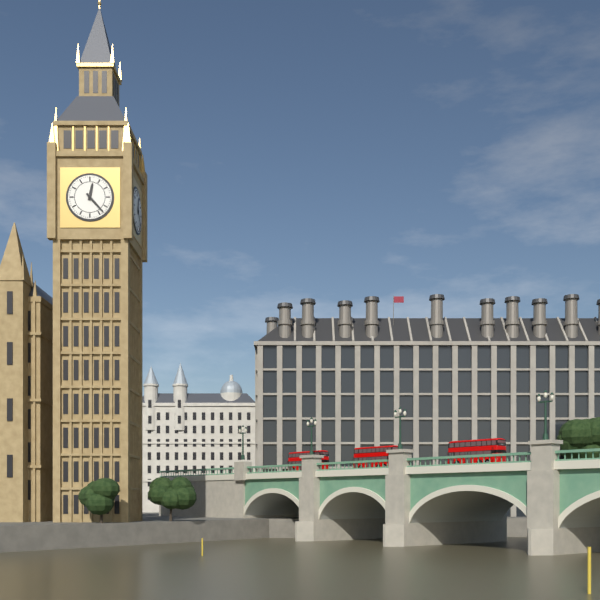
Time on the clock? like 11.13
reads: 12.23
